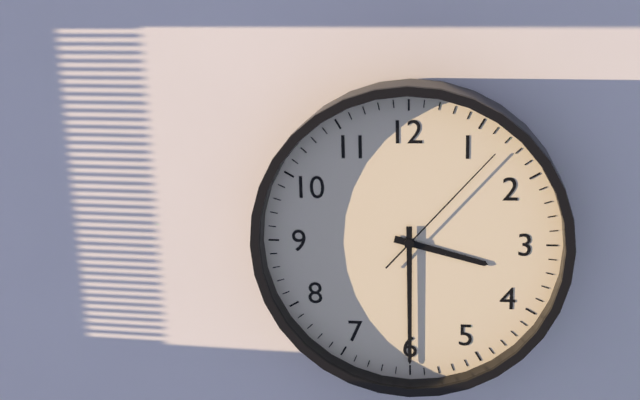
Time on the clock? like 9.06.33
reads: 3.30.07
